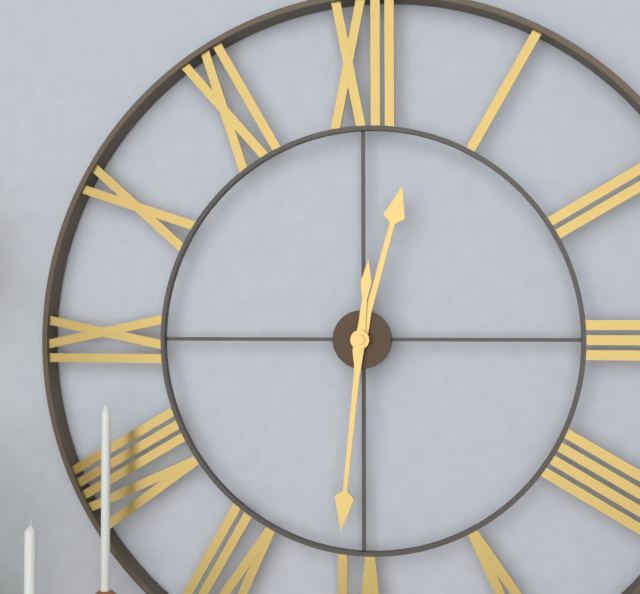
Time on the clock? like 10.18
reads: 12.31
